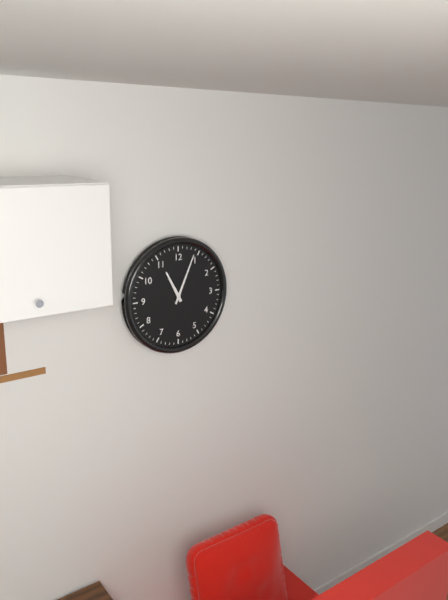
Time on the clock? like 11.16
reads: 11.04
